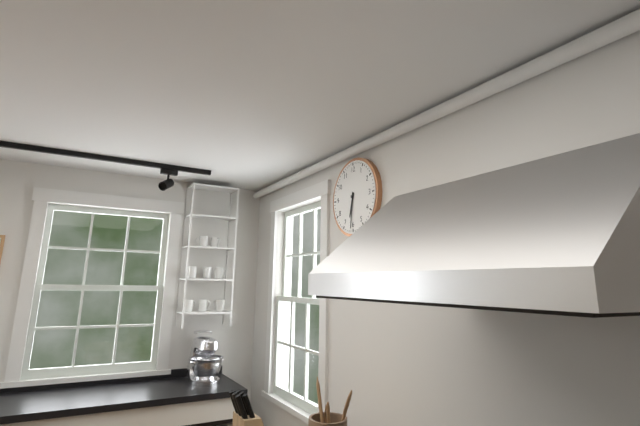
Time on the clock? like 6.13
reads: 6.31
